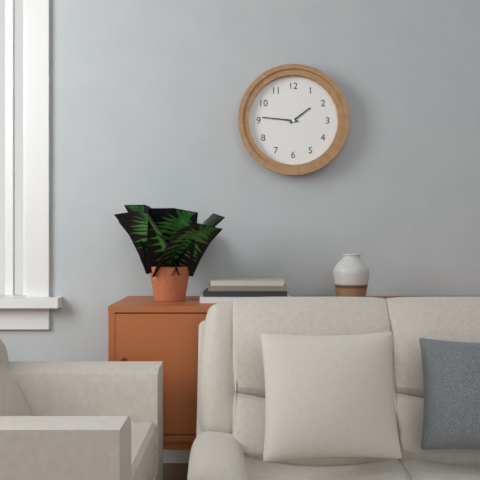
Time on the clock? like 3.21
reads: 1.46
